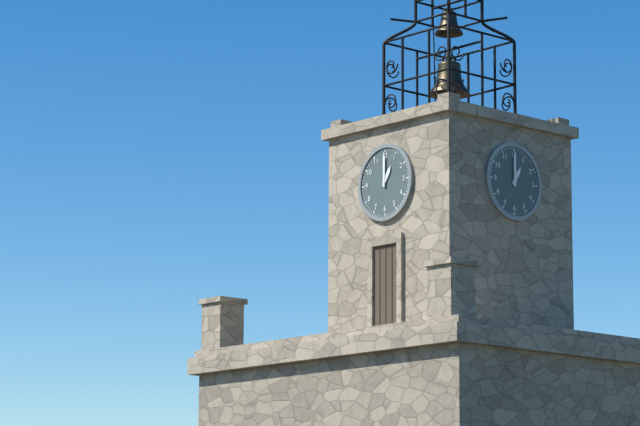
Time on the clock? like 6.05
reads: 1.00
